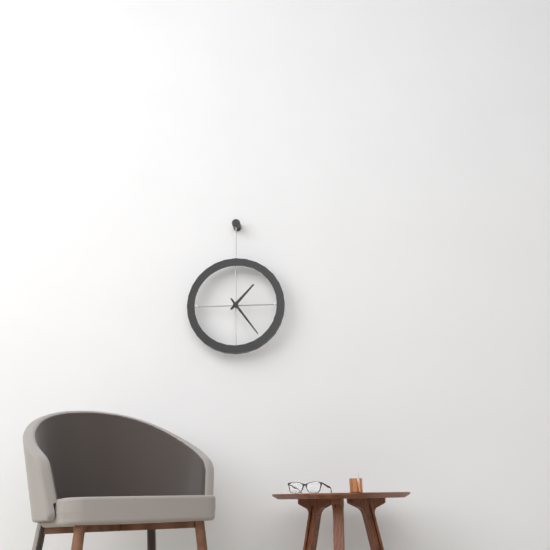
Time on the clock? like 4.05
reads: 1.24
